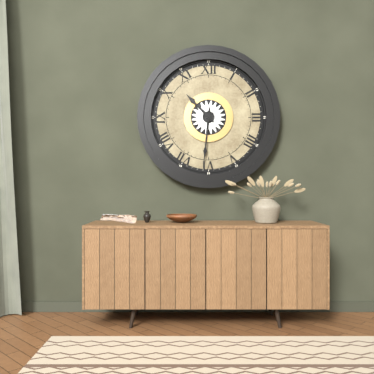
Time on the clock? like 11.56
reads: 10.31
